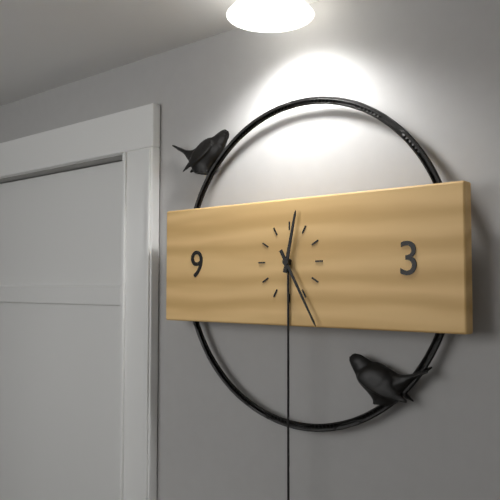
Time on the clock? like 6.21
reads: 12.25
